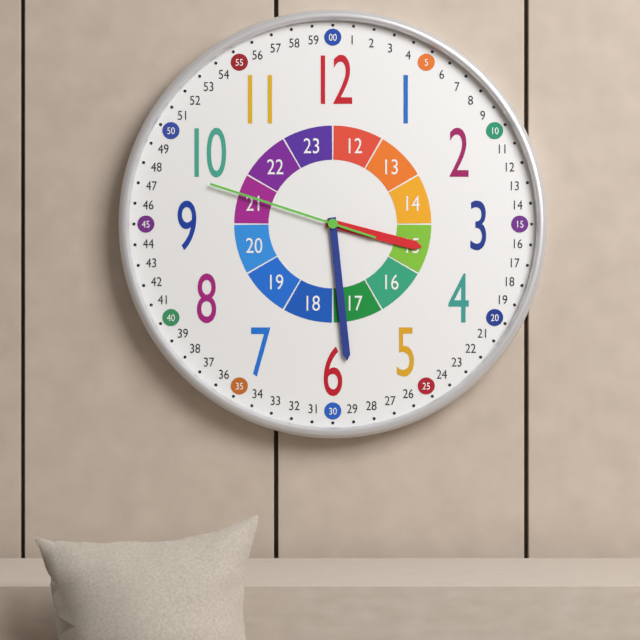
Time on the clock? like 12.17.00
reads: 3.29.48
